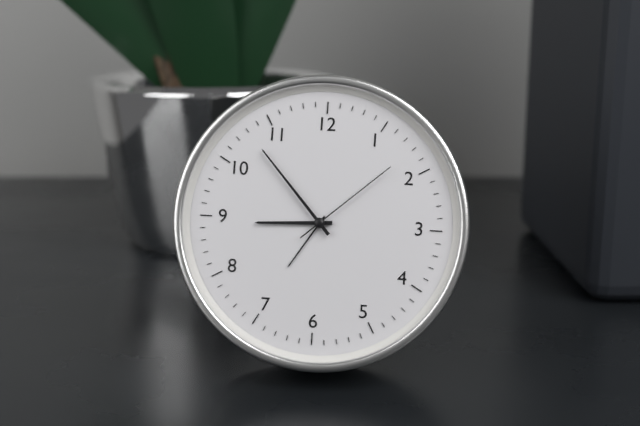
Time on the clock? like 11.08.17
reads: 8.53.08
